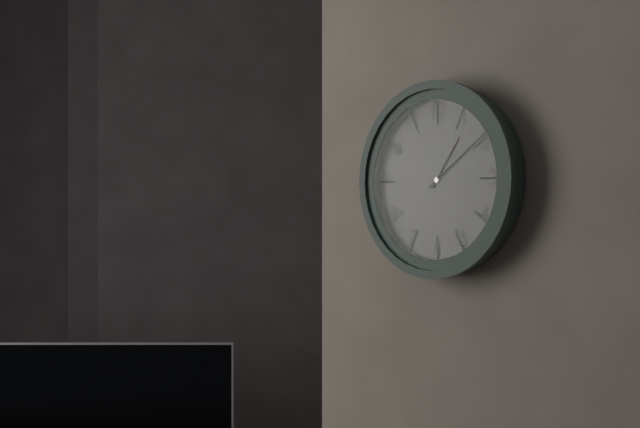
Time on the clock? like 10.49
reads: 1.09
